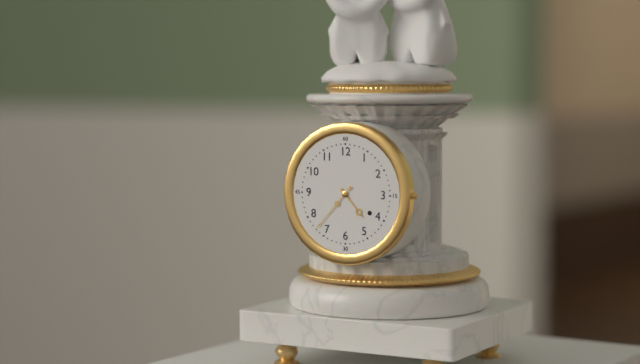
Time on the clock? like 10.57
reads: 4.37
